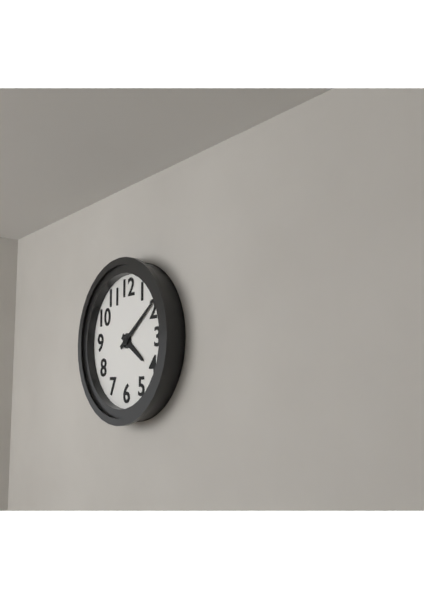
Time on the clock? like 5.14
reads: 4.09
